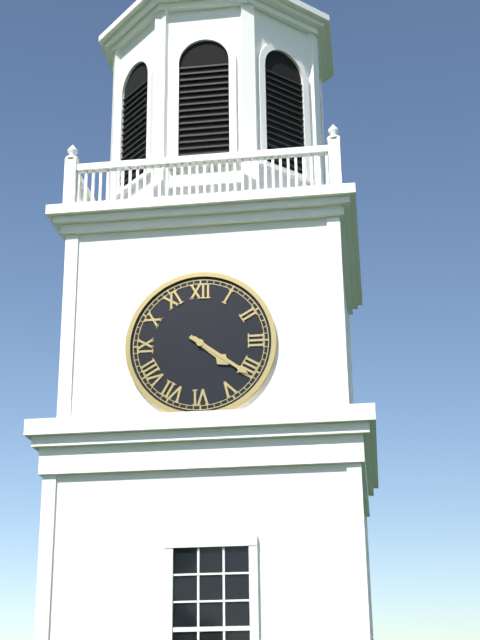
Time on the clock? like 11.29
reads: 4.21
